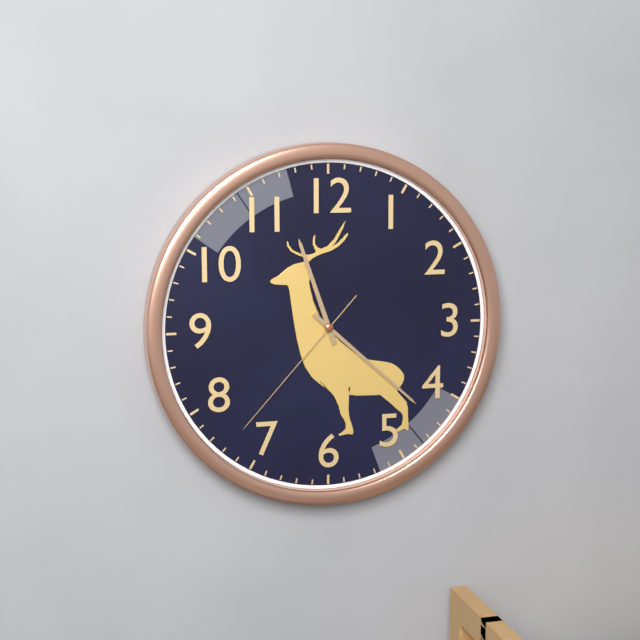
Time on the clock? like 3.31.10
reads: 11.22.37
